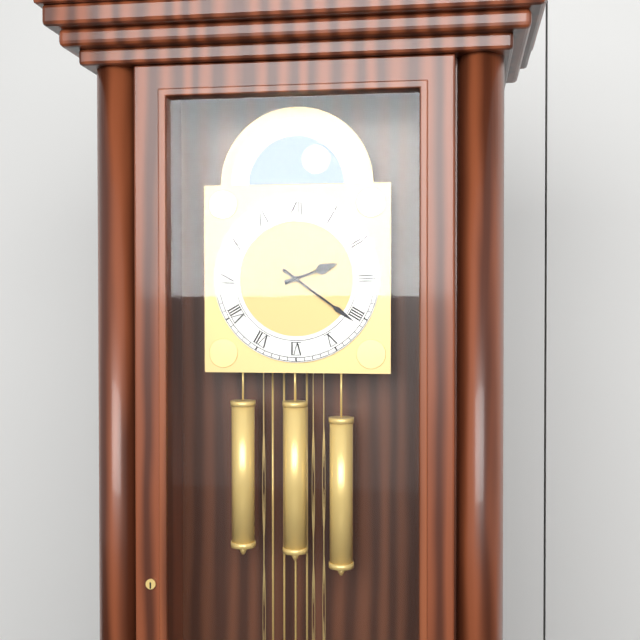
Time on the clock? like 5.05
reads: 2.21
